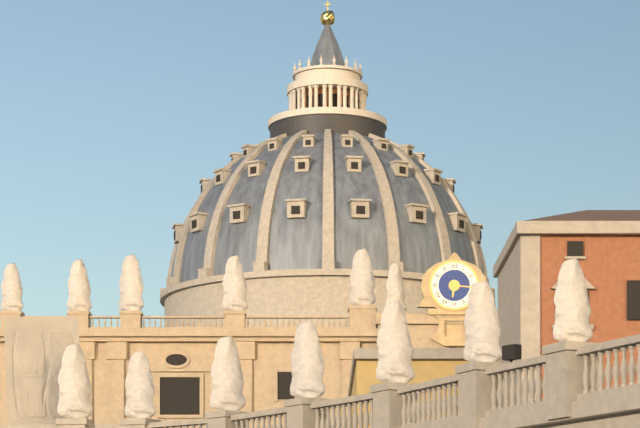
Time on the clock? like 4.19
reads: 6.16
